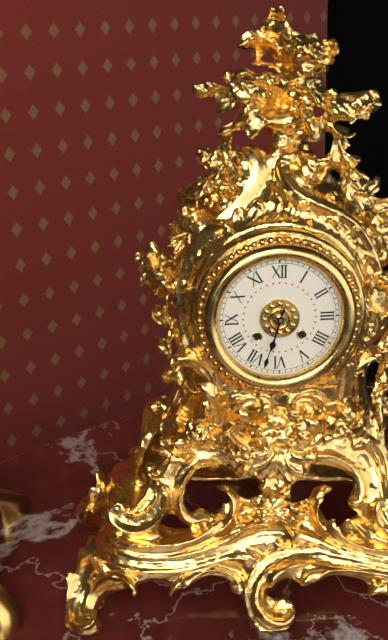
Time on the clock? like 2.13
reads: 6.33
